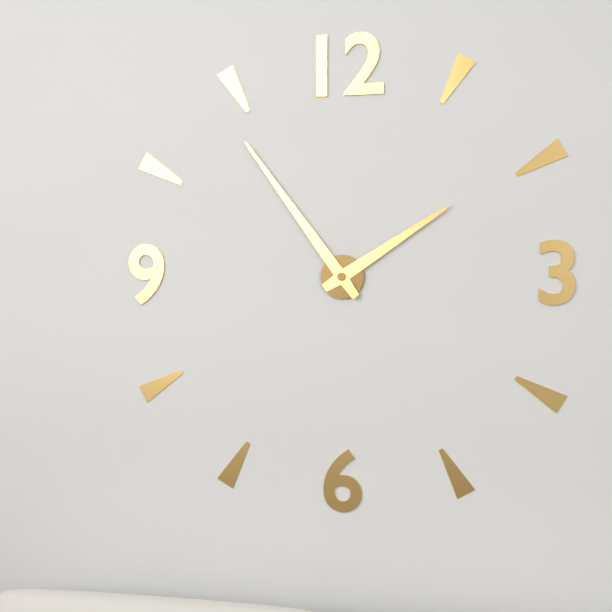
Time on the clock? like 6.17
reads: 1.54
